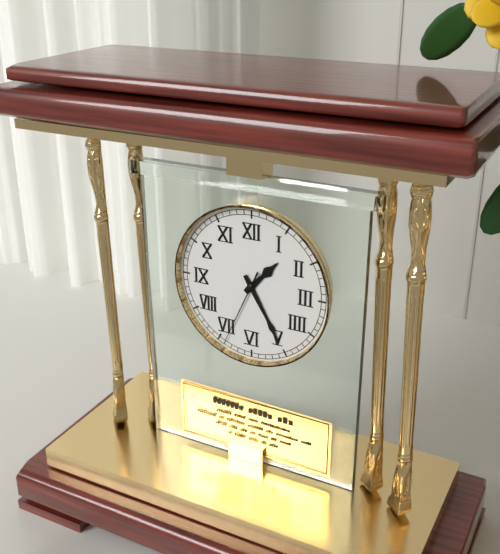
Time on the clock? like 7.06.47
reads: 1.25.34
